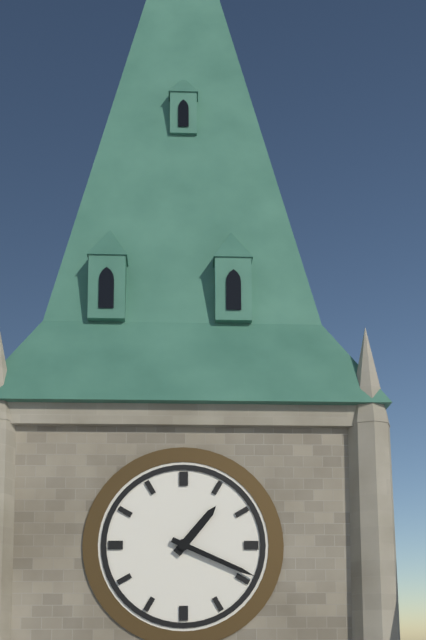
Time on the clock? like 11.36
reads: 1.19
